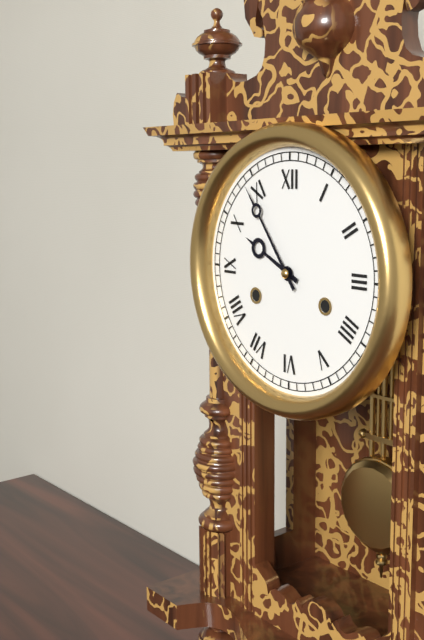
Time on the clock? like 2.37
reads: 9.54
